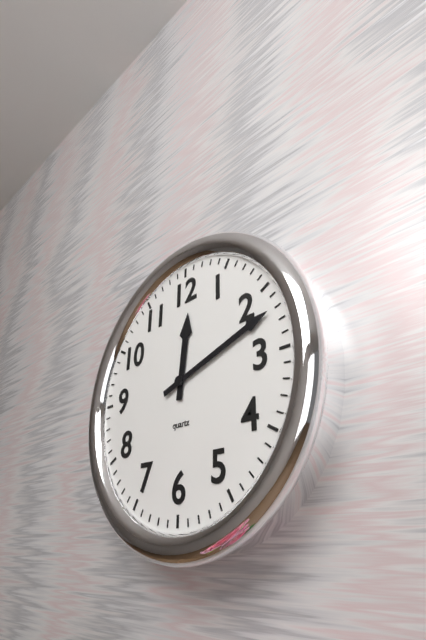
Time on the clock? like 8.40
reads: 12.12
